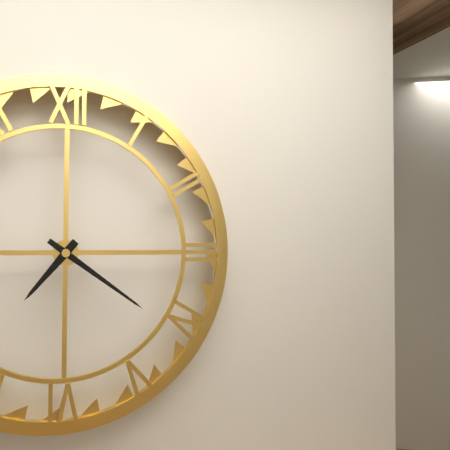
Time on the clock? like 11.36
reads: 7.21
